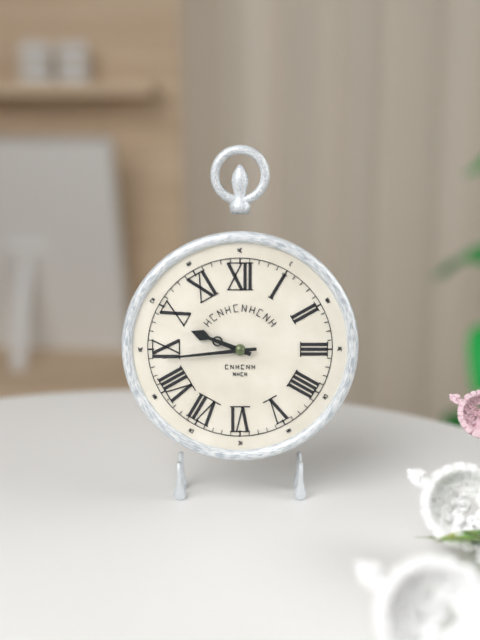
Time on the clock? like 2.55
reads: 9.44
